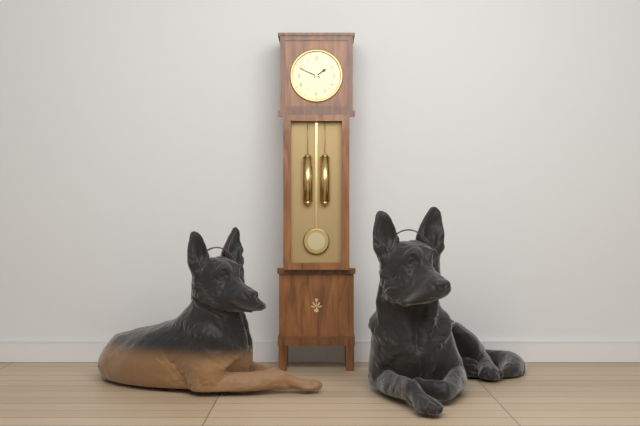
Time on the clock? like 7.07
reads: 1.49
